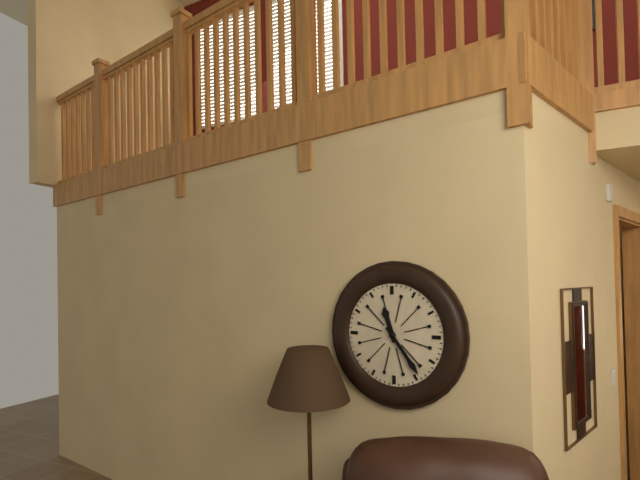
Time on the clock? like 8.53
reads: 11.24
